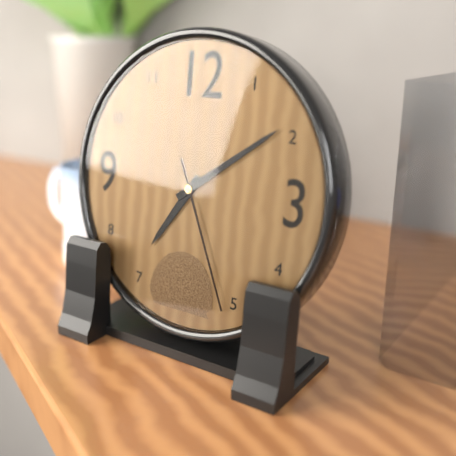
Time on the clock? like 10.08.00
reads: 7.09.26
